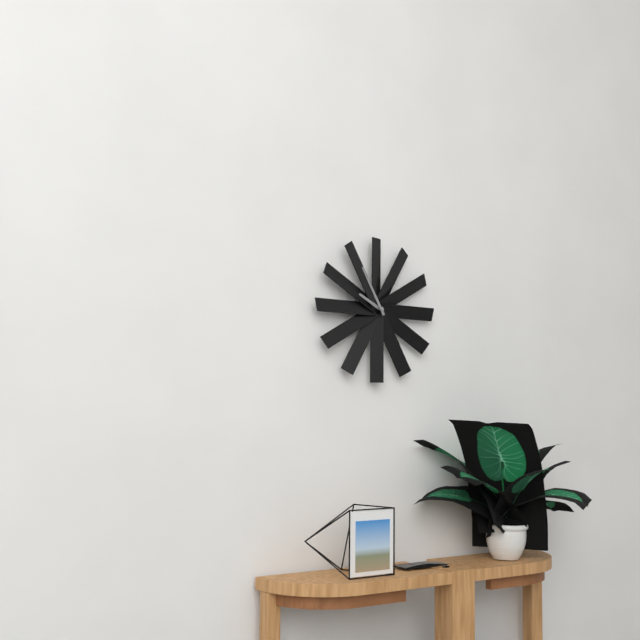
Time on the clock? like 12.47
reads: 9.55
